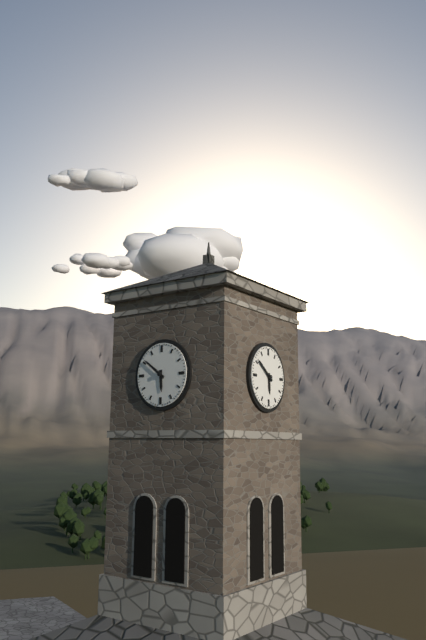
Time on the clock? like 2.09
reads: 5.51
